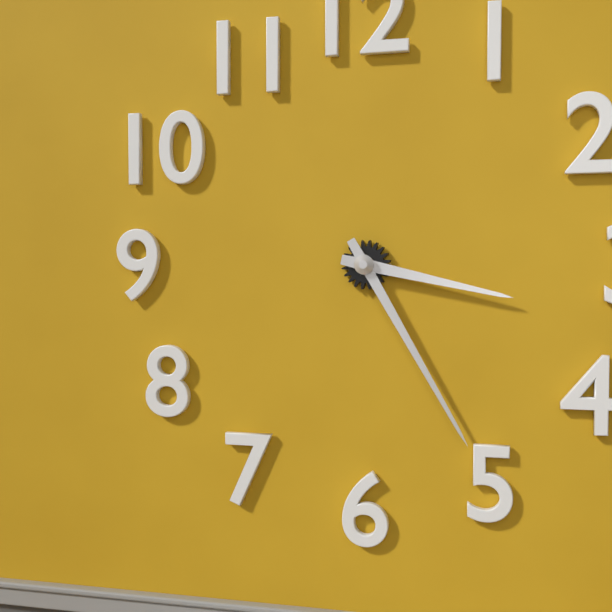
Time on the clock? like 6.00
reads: 3.25
